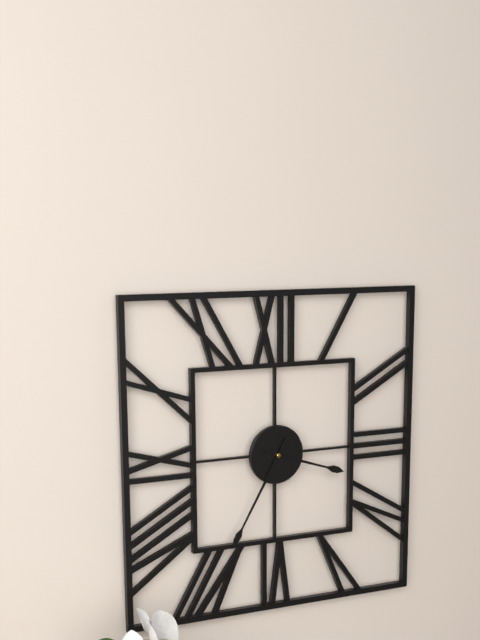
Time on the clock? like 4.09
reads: 3.35
